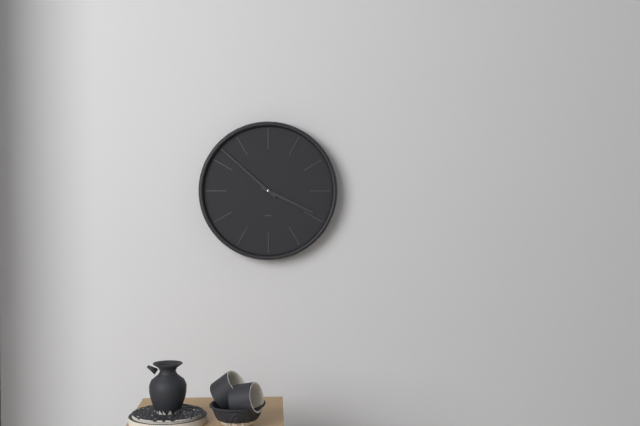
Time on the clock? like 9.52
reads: 3.52
